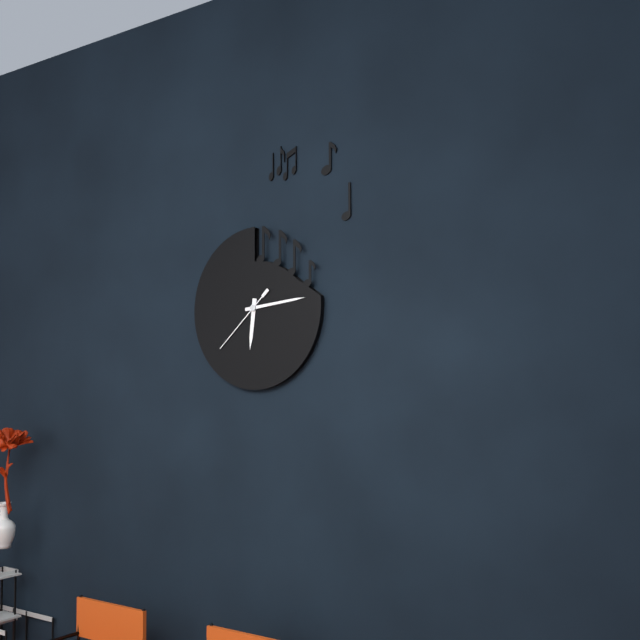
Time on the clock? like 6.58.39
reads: 6.14.38
